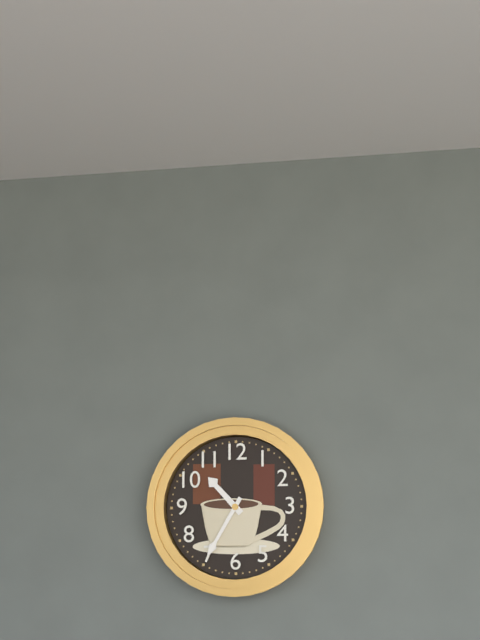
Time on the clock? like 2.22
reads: 10.35
